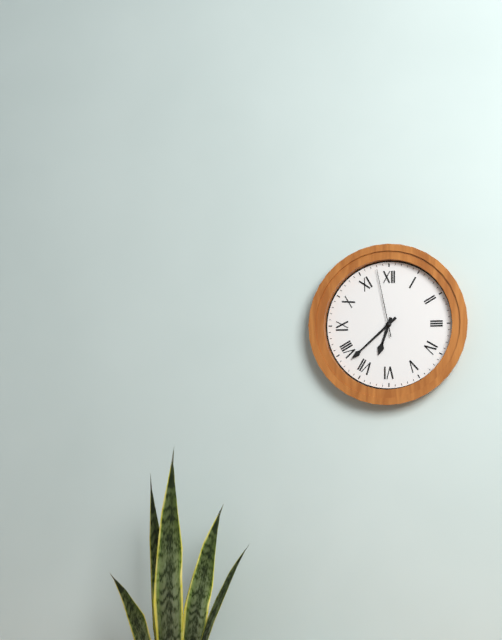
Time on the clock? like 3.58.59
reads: 6.38.58
